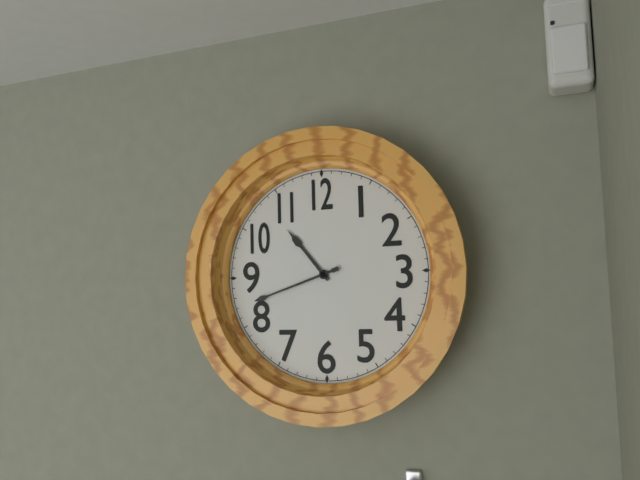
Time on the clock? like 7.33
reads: 10.42
